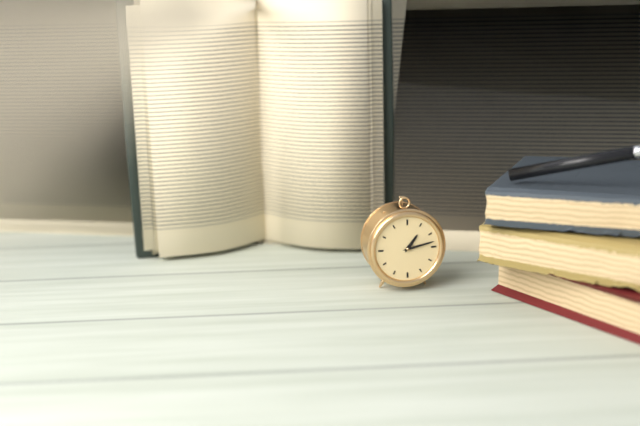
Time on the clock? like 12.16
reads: 1.13
